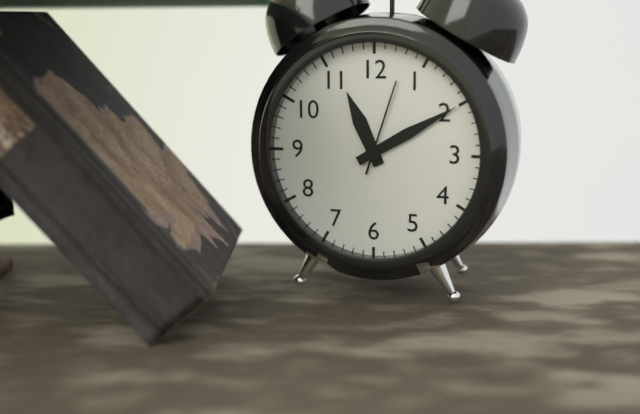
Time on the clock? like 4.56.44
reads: 11.10.03
